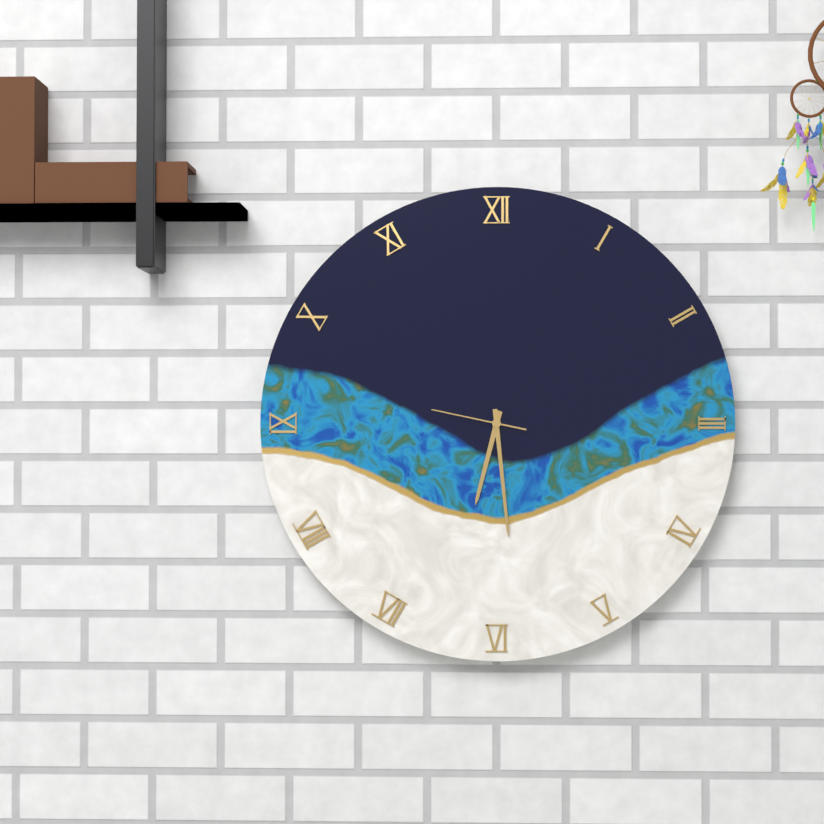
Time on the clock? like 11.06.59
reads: 6.29.47
